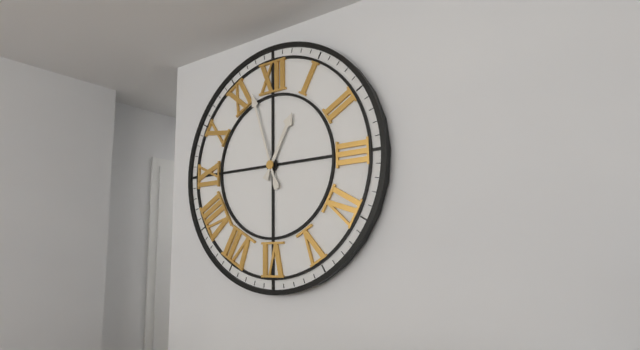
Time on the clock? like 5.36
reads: 12.57
